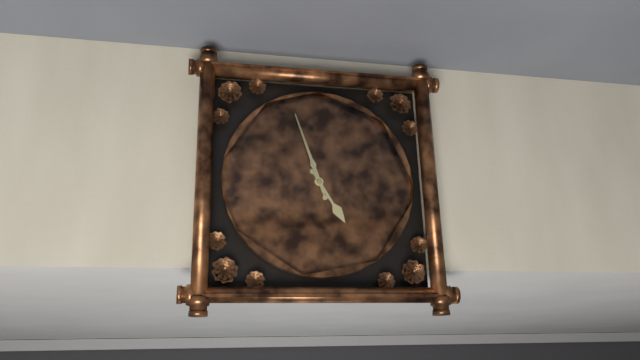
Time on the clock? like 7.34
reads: 4.57
